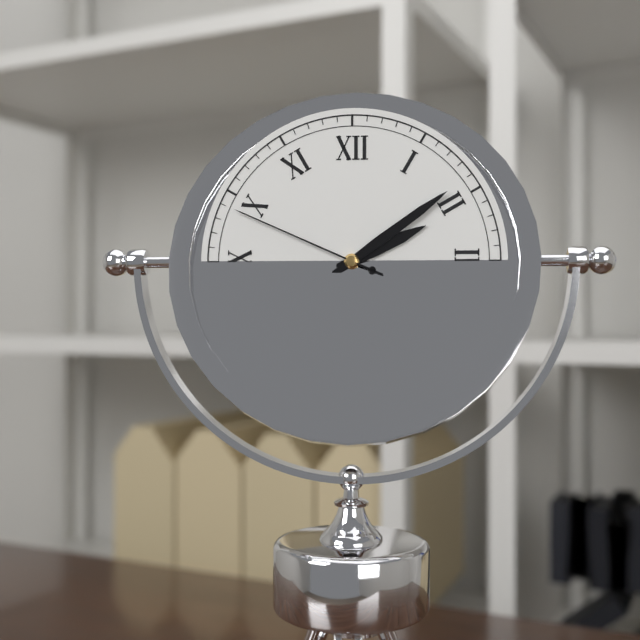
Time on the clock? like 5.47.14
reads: 2.09.49
